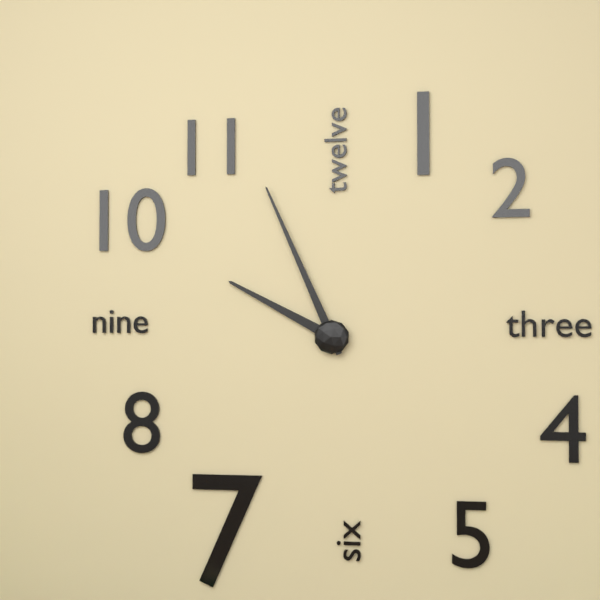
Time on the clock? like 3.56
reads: 9.56
